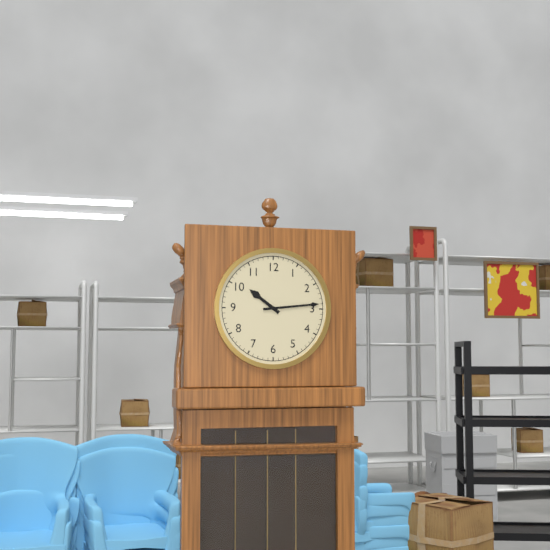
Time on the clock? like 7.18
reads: 10.14
